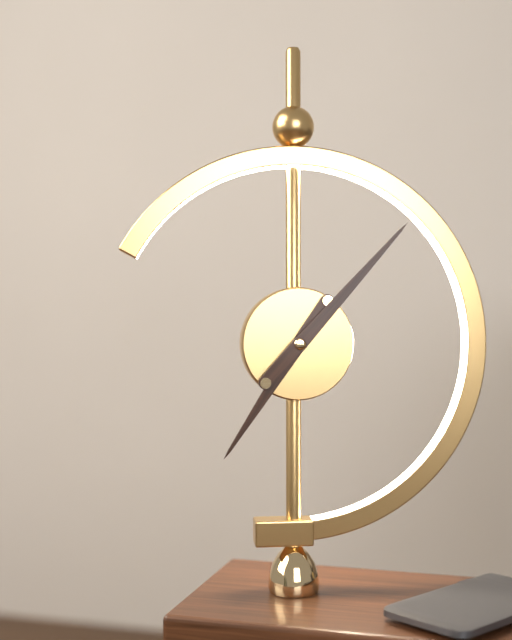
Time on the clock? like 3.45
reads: 7.07
